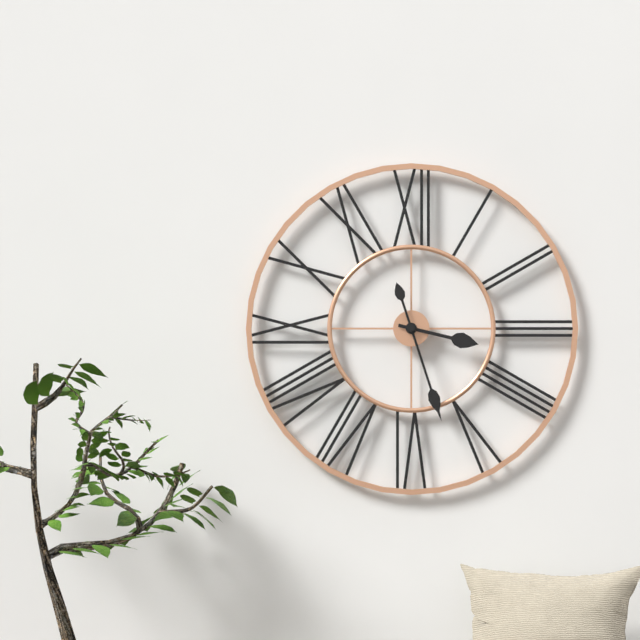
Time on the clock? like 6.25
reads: 3.27
